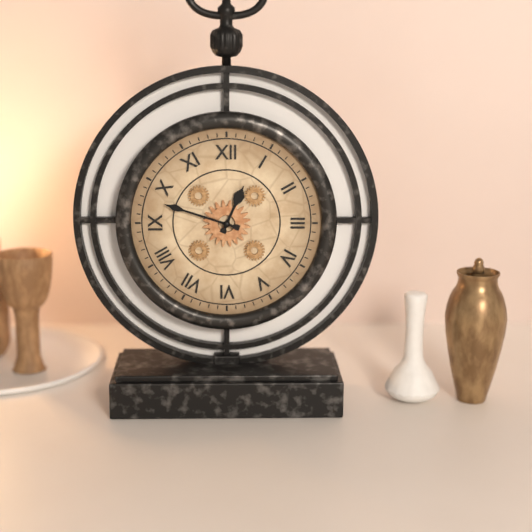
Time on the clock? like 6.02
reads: 12.48
